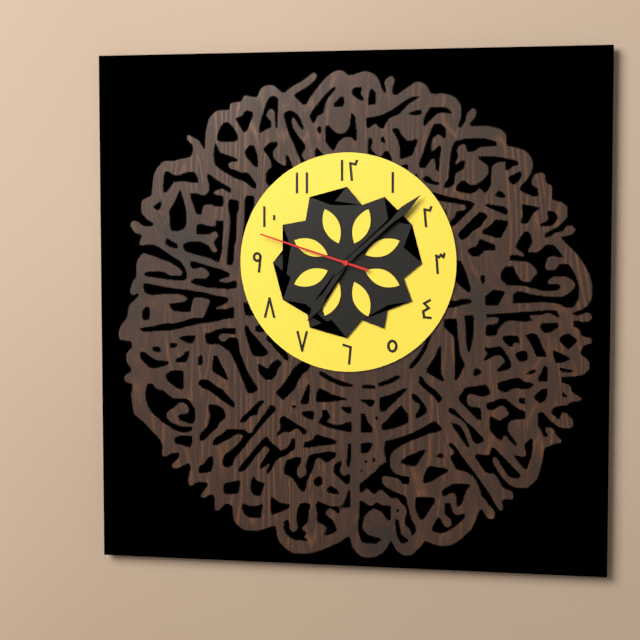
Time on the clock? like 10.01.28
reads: 7.08.48
